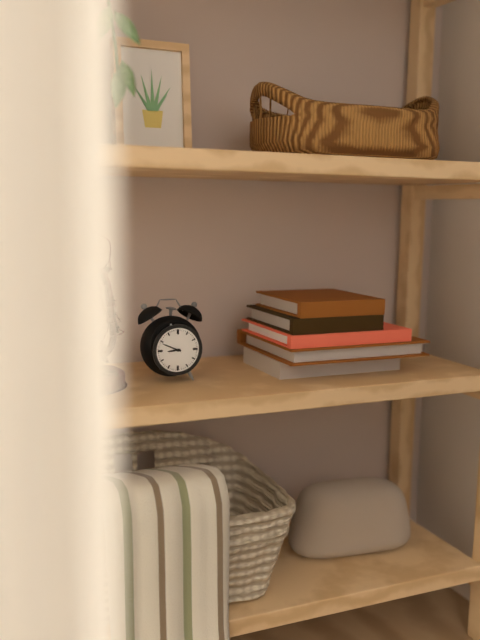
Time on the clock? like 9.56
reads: 8.49
